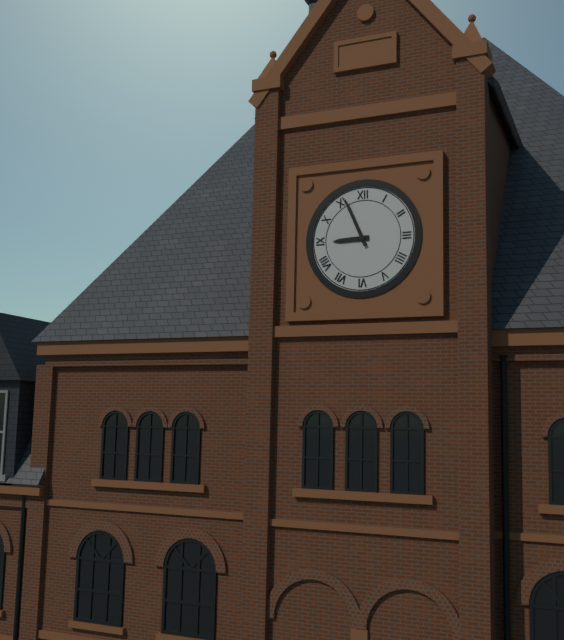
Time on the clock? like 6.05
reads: 8.56
